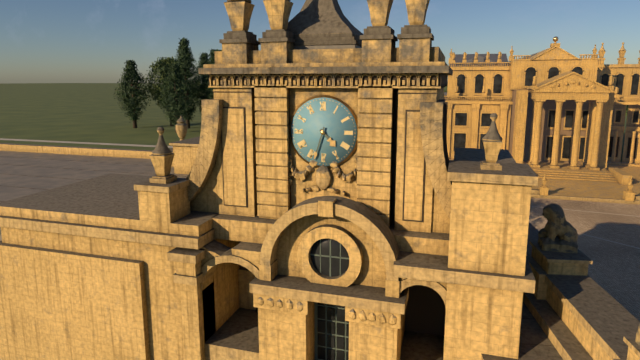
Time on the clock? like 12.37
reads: 4.33
